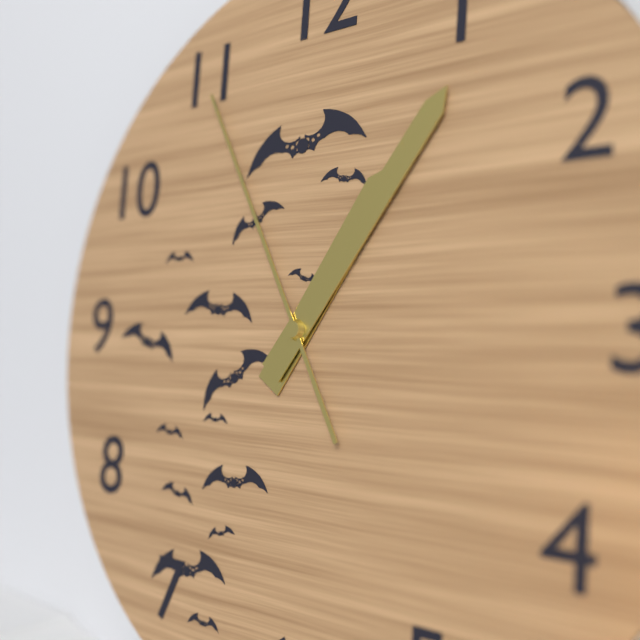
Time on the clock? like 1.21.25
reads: 1.06.55
